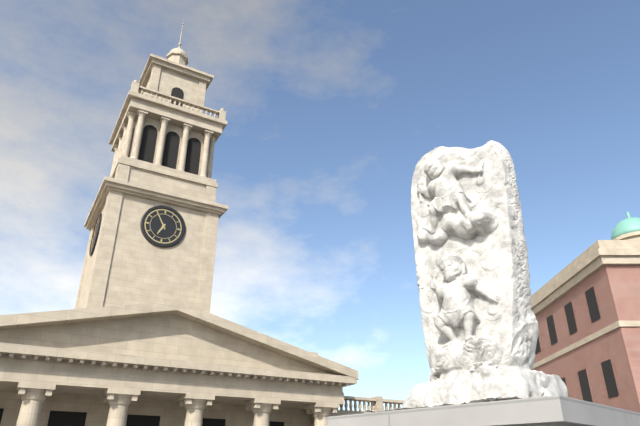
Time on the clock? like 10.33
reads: 6.55
